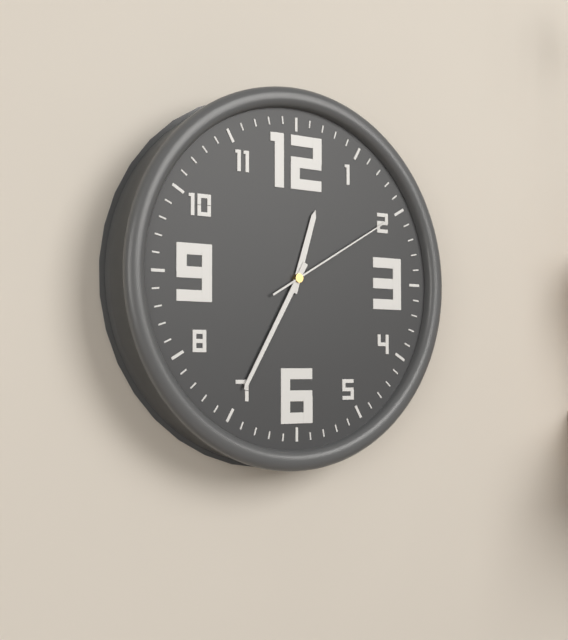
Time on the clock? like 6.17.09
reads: 12.35.10
